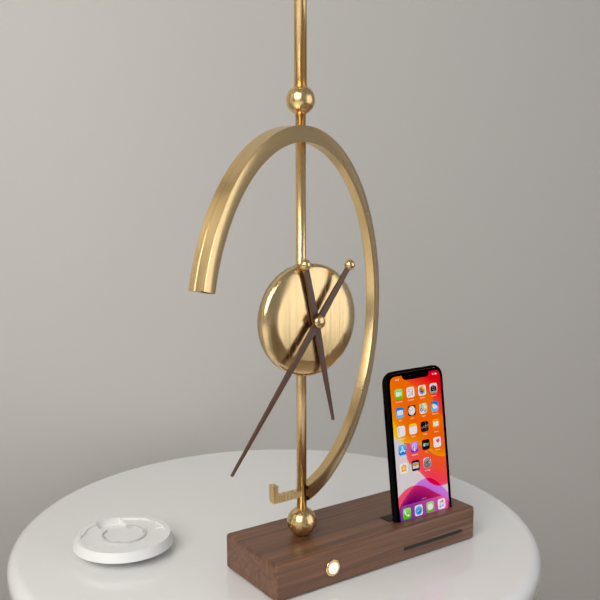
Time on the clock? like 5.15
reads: 5.36
